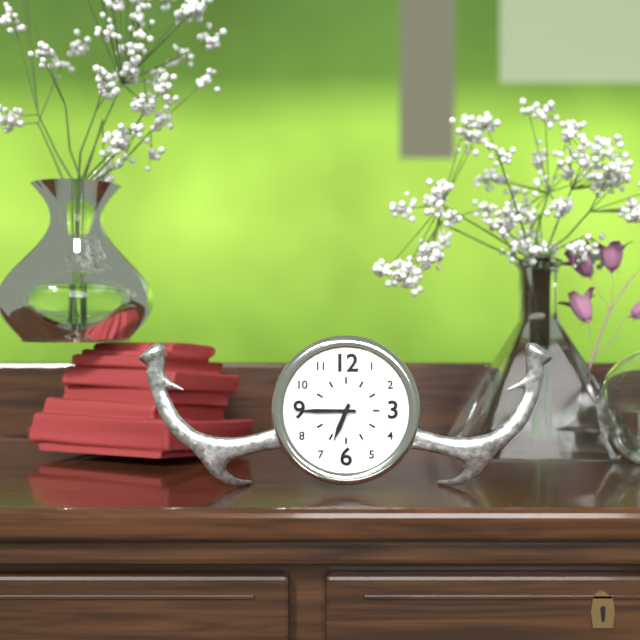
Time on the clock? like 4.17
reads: 6.45
